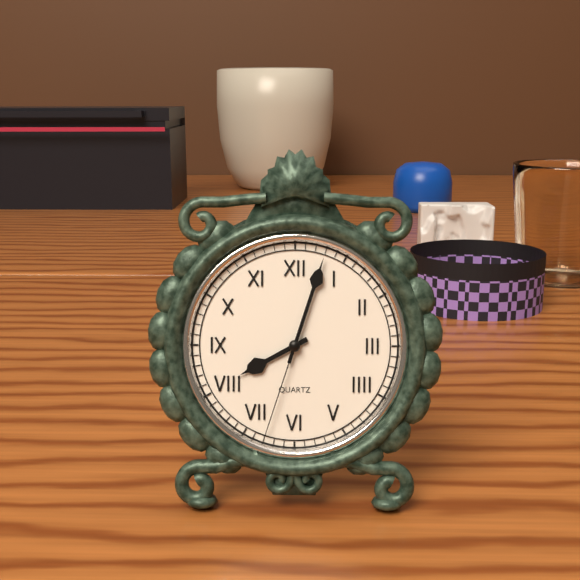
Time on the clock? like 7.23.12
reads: 8.03.33
